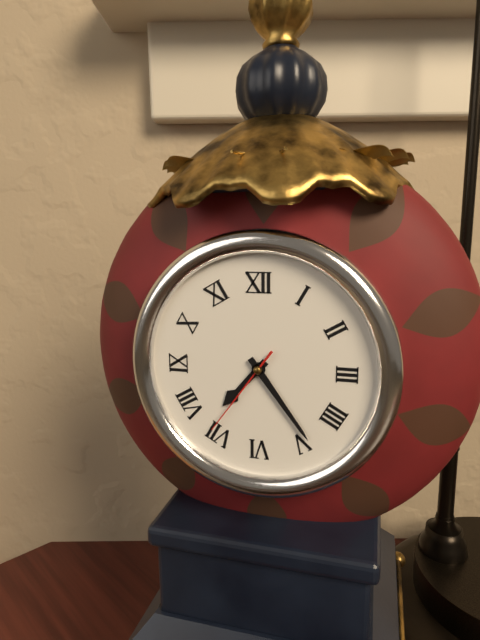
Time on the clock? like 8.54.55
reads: 7.24.36
